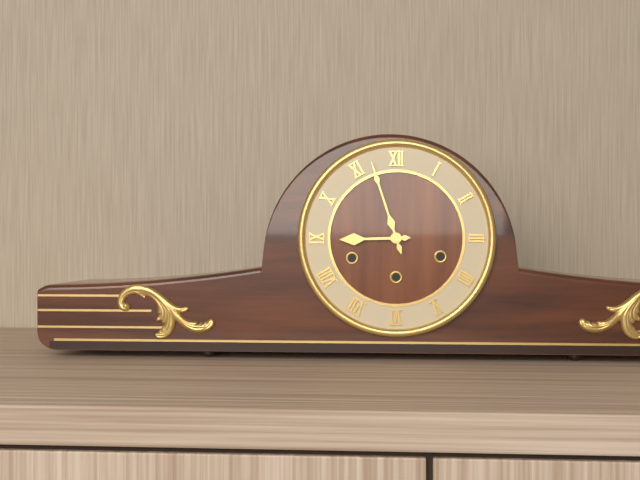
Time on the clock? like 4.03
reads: 8.57
